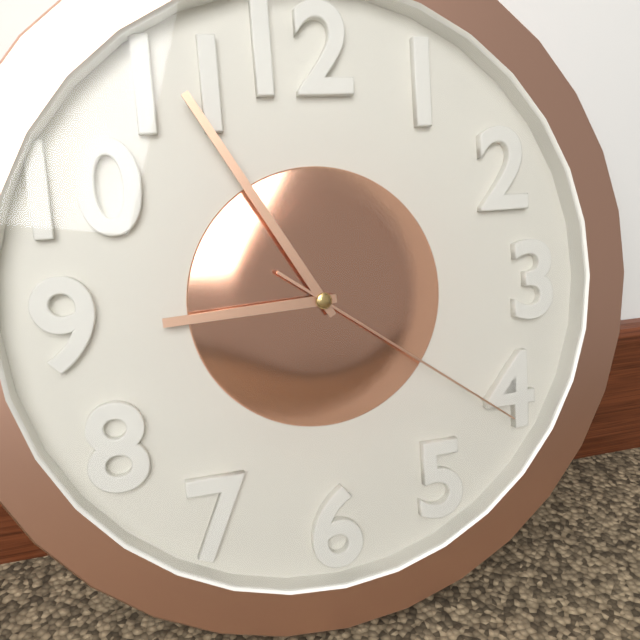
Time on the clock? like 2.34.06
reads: 8.55.21
